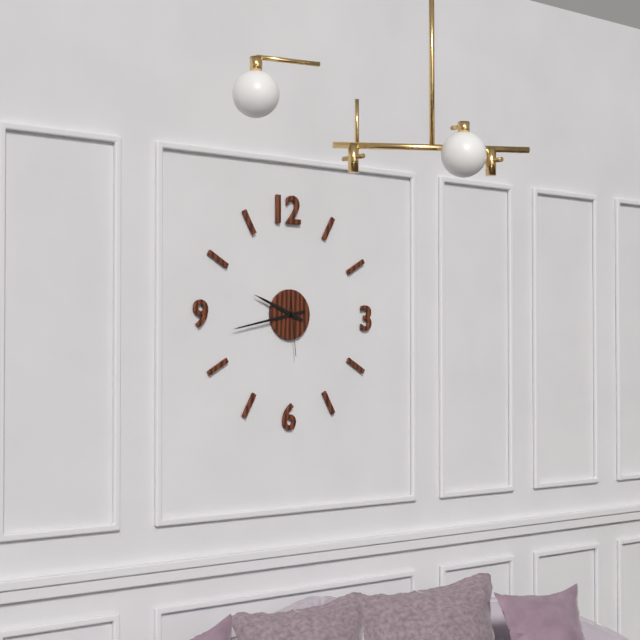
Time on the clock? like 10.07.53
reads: 9.43.29
